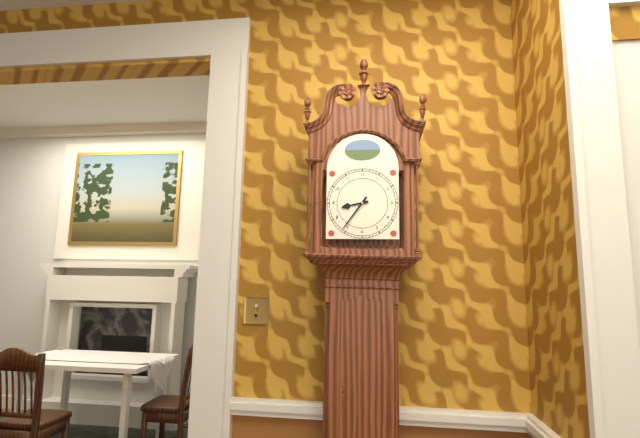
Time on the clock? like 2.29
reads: 8.36
